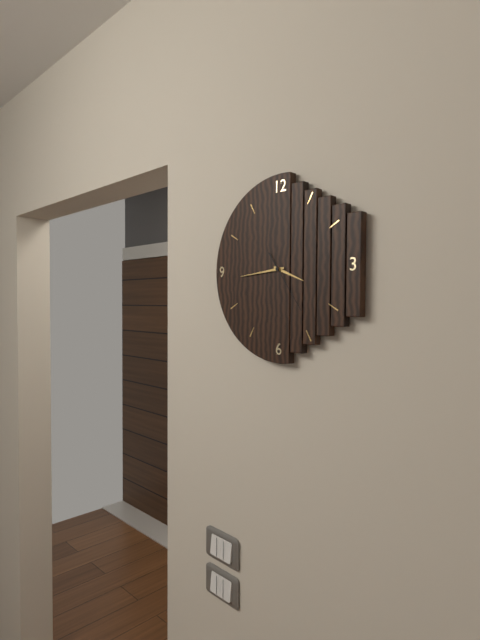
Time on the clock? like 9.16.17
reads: 3.44.24
